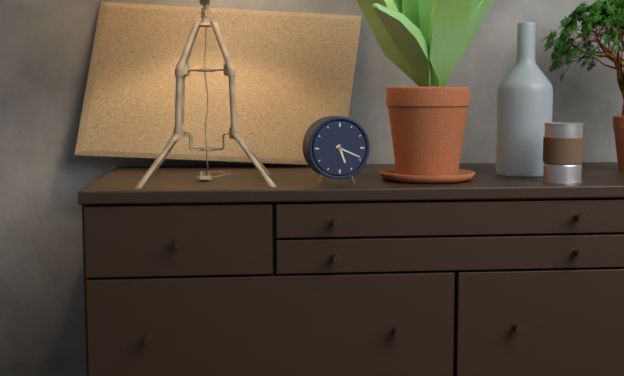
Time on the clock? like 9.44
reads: 5.19
